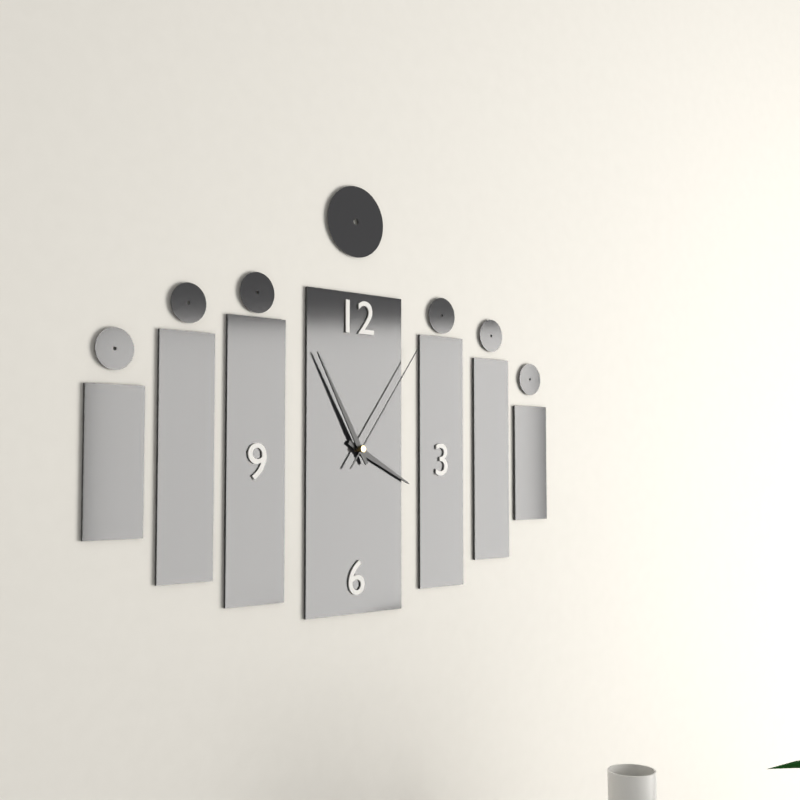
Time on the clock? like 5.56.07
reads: 3.55.06
